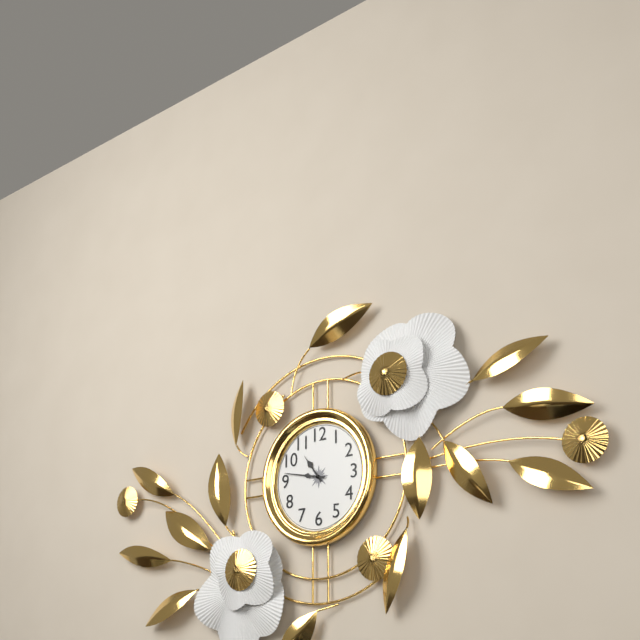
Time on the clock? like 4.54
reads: 10.47
